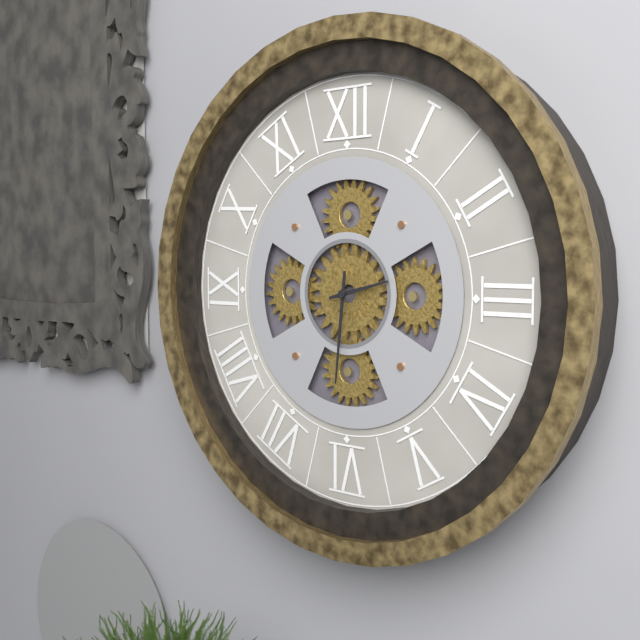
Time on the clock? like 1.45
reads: 2.31
